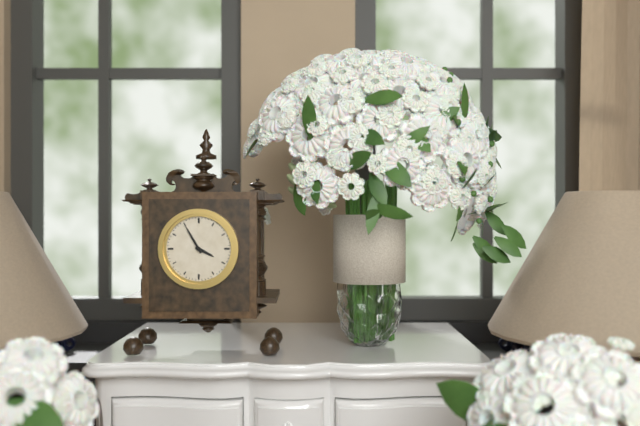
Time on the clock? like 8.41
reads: 3.55
